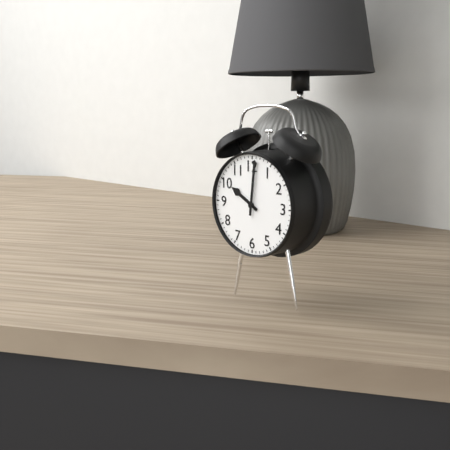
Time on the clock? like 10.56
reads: 10.01
